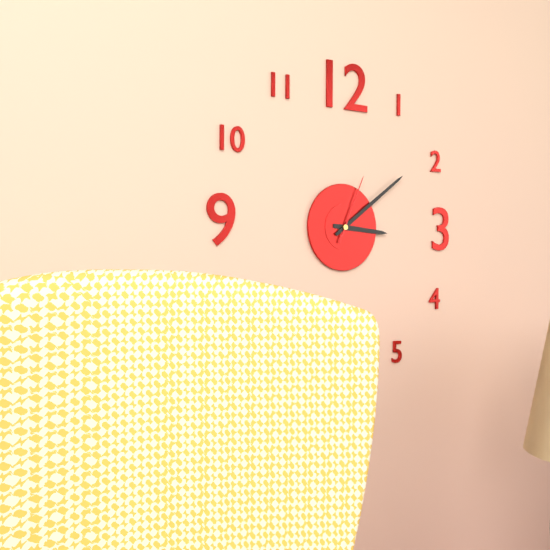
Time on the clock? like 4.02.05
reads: 3.09.04
